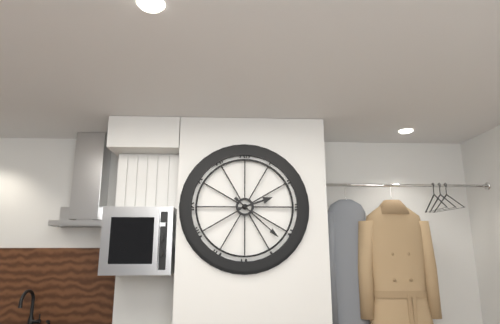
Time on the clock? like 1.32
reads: 2.22
